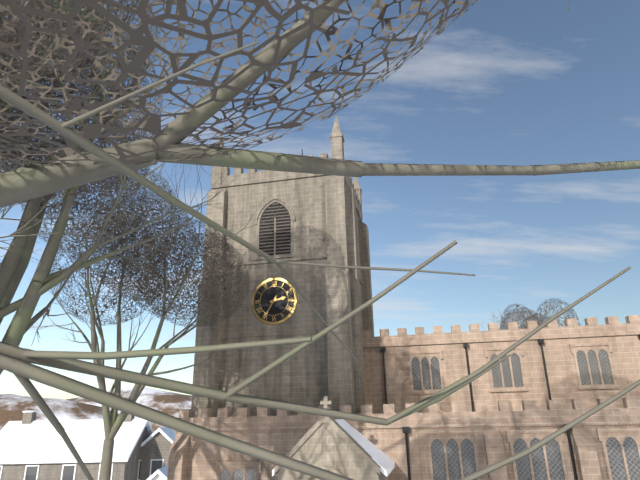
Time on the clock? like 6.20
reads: 2.35
